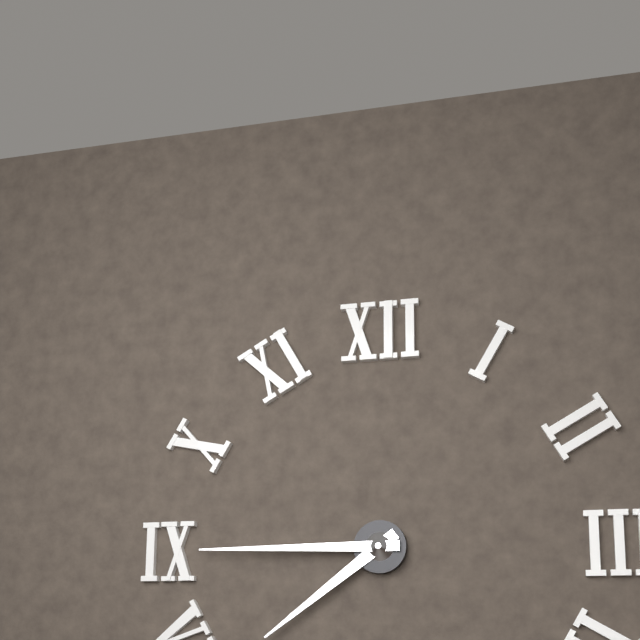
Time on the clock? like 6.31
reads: 7.45
